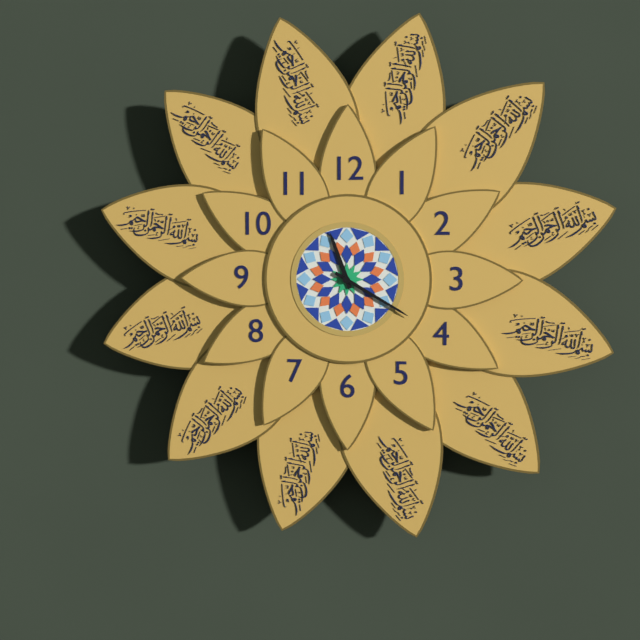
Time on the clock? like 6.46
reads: 11.20
